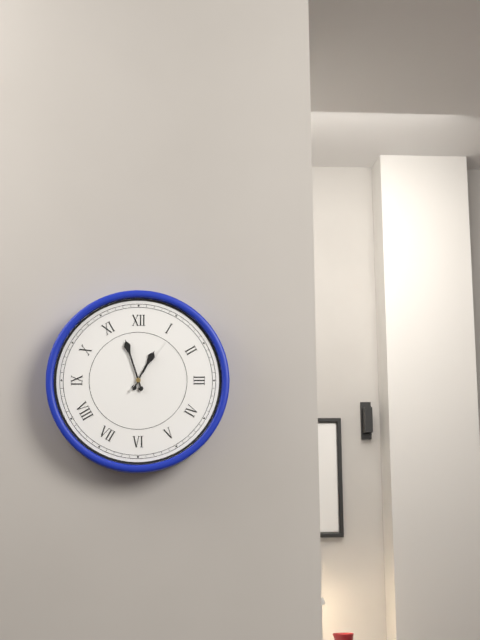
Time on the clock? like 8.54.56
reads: 12.57.06
